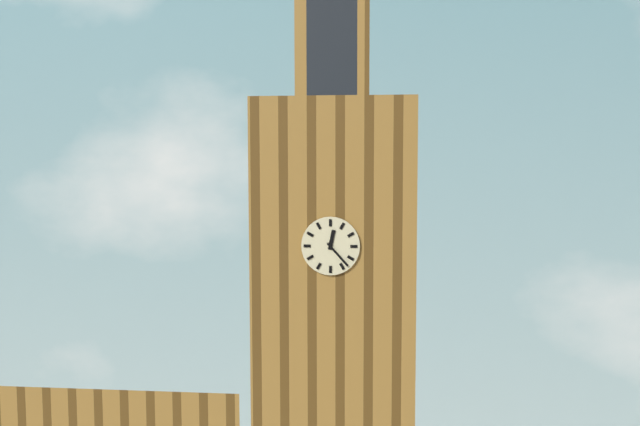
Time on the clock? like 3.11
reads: 12.23
